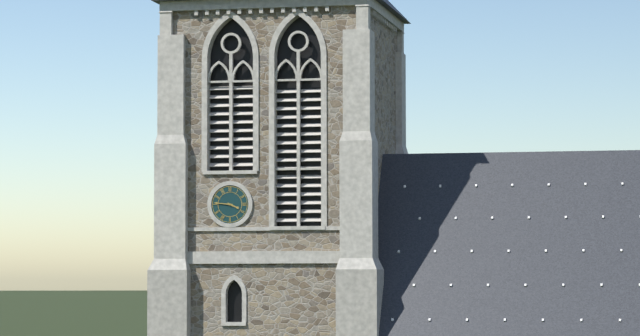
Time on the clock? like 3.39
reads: 3.46
